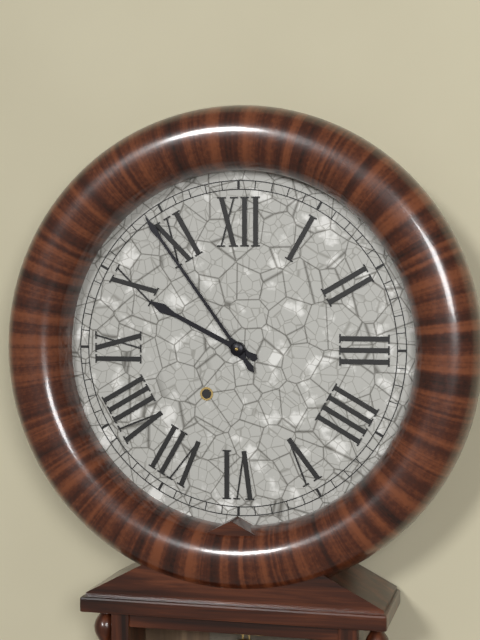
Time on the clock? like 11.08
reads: 9.54
